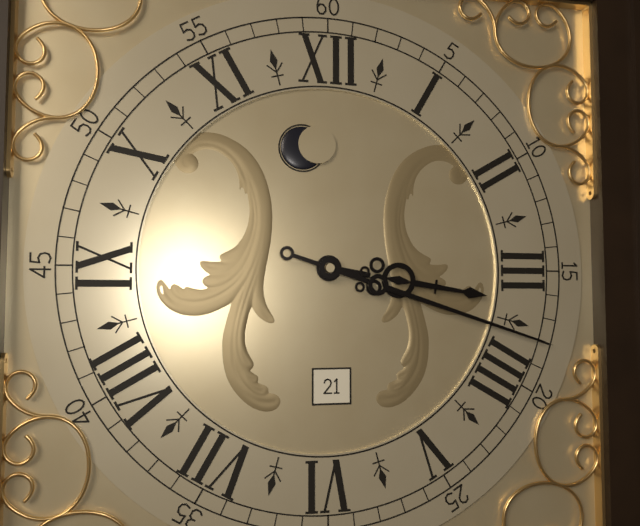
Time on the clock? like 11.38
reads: 3.18
